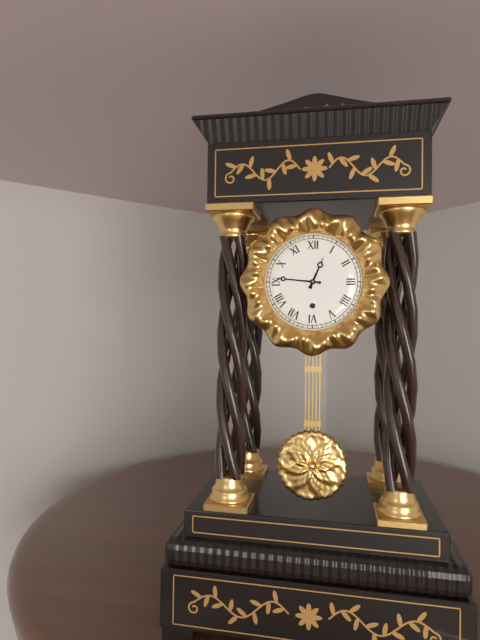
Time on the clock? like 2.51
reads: 12.46
